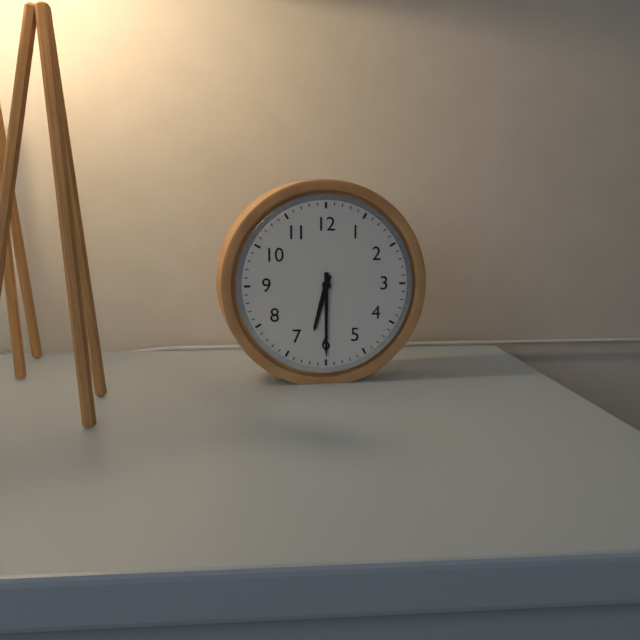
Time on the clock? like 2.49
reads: 6.30
